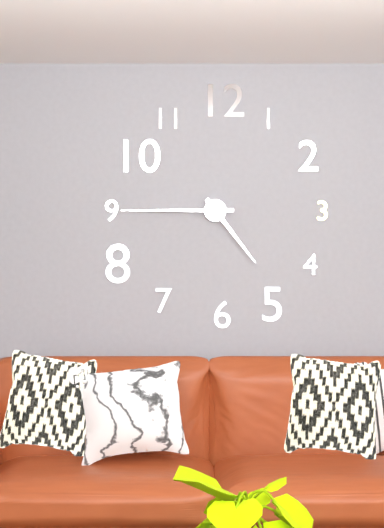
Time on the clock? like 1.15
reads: 4.45
